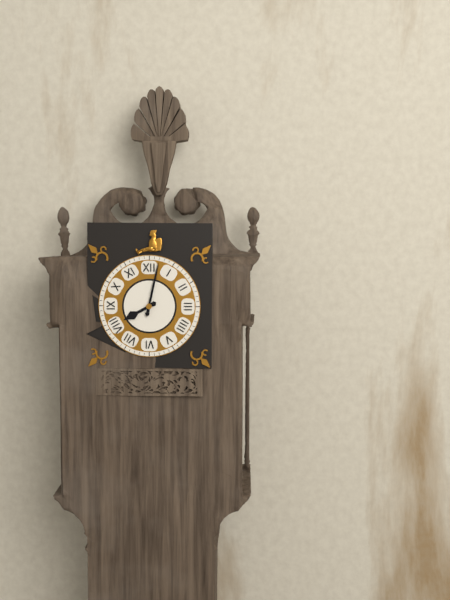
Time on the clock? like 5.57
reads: 8.02
